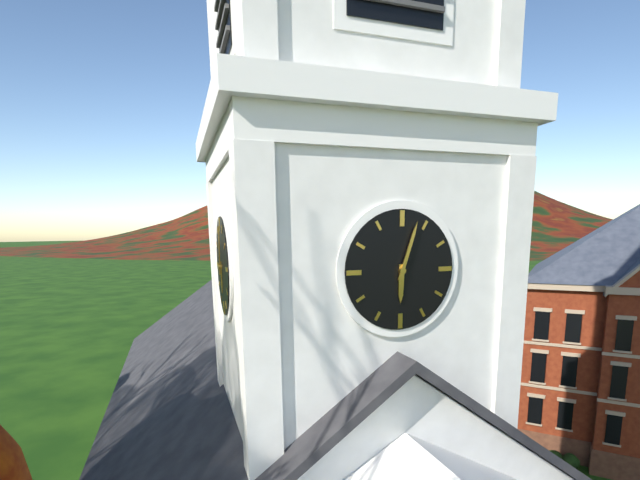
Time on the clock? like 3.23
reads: 6.03
